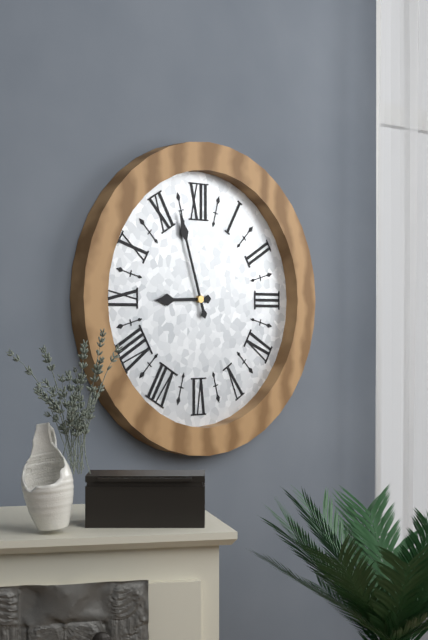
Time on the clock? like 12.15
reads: 8.57
